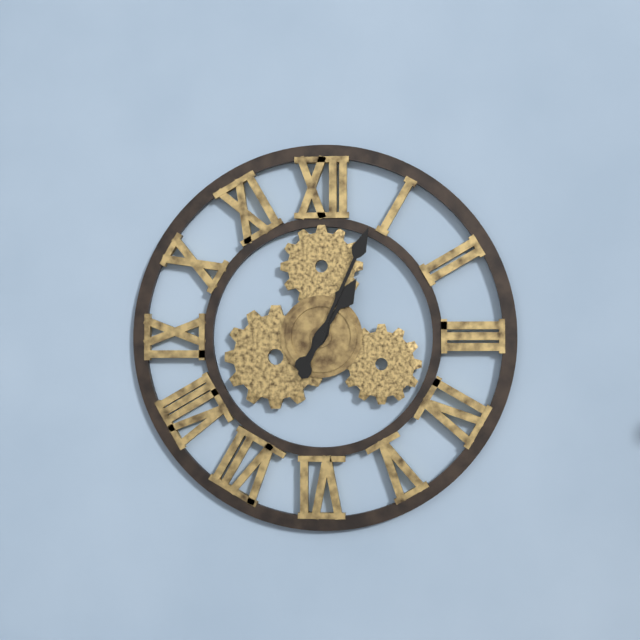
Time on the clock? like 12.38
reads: 1.04
